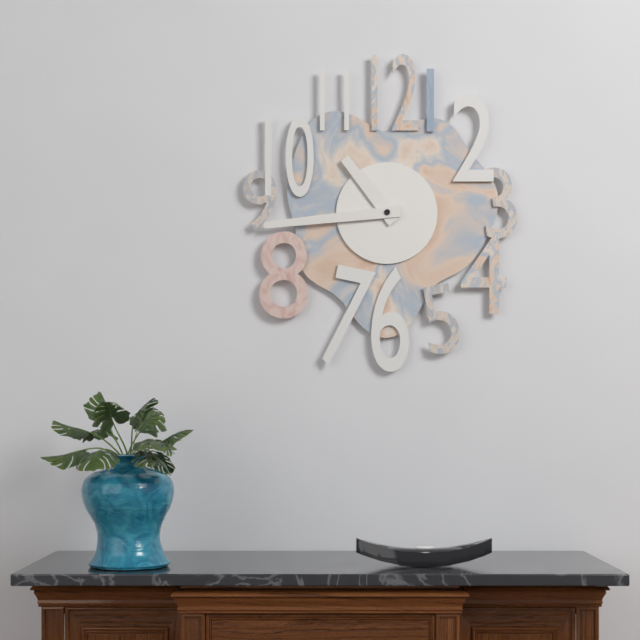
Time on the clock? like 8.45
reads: 10.44
